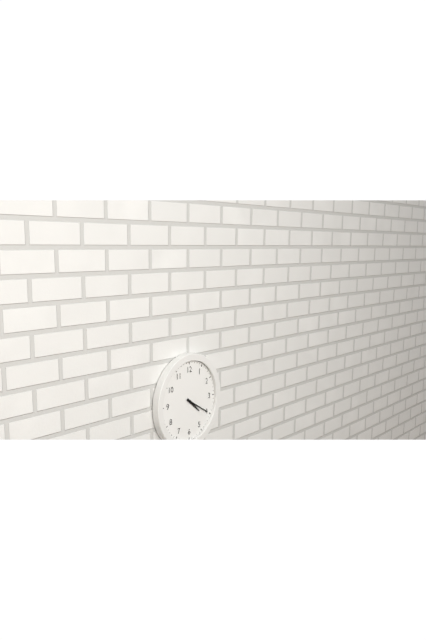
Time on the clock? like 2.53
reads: 4.20
